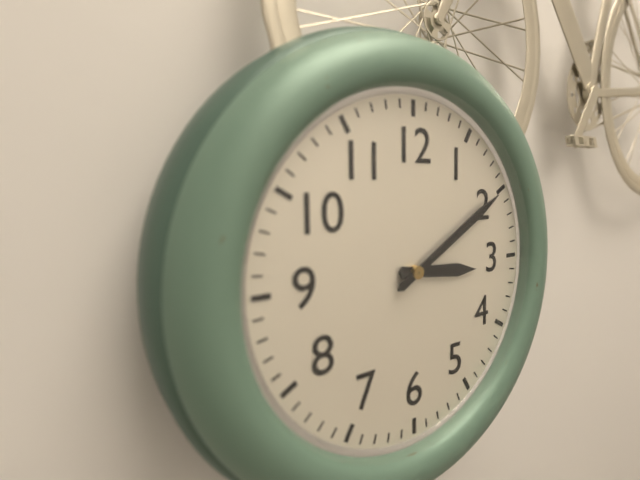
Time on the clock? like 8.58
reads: 3.10
